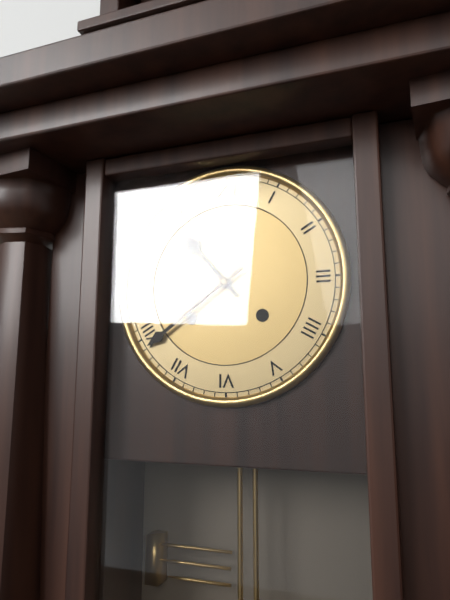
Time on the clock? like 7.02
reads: 10.39
